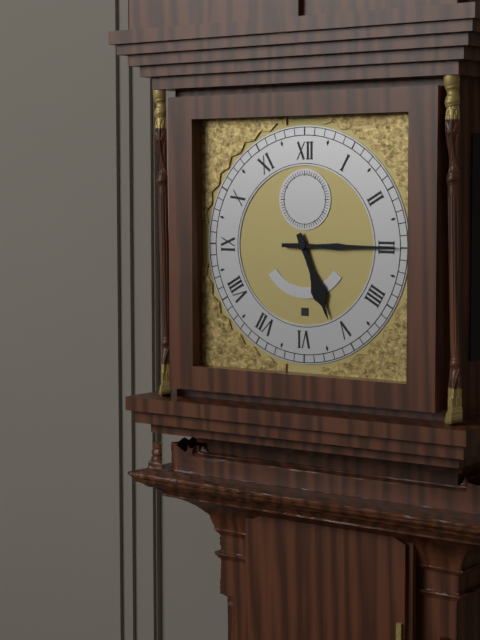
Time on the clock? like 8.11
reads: 5.15
